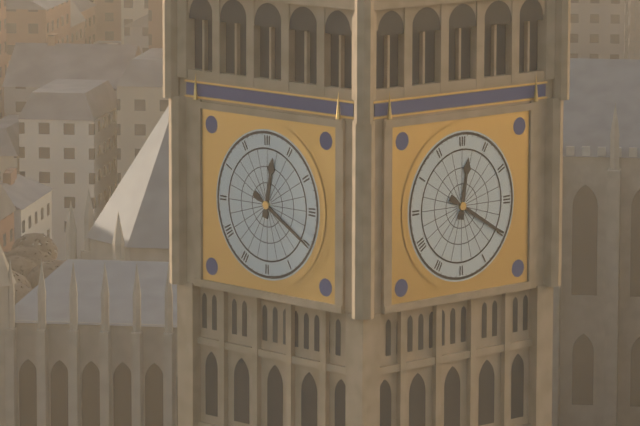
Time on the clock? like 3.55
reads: 12.20
